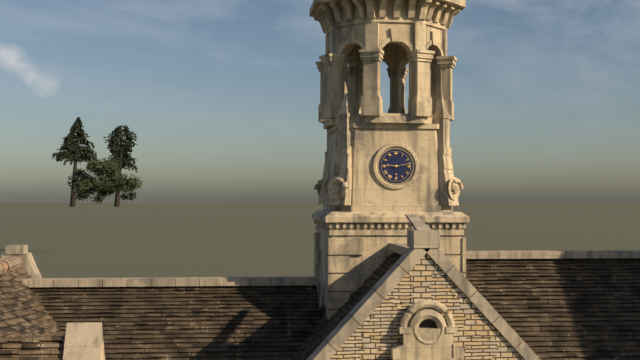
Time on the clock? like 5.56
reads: 9.13
